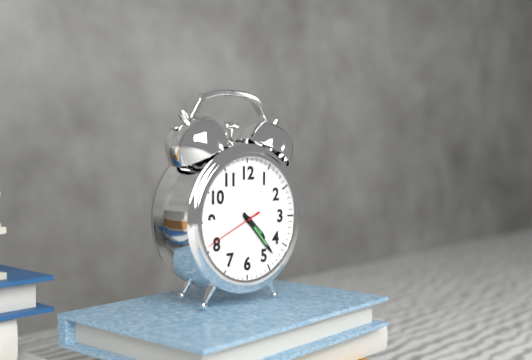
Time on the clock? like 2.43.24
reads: 4.23.41
